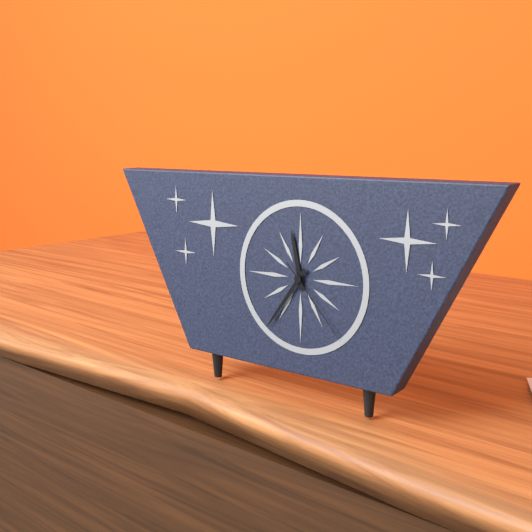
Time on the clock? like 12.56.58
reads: 11.36.23
